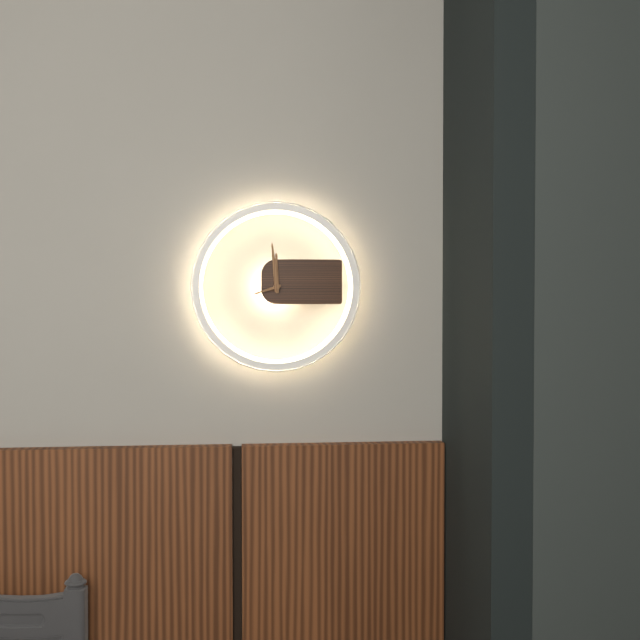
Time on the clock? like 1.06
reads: 11.59
